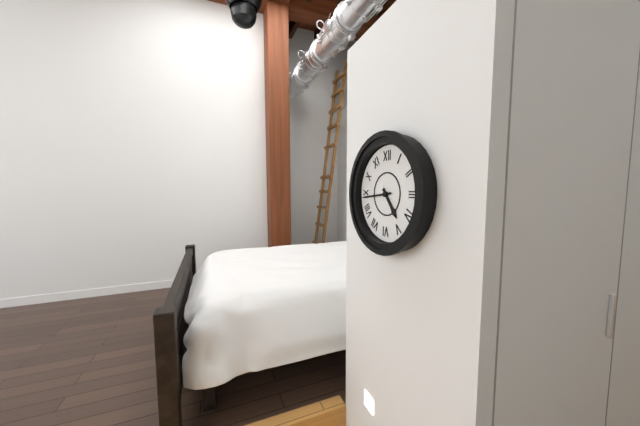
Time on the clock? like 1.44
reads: 4.44
